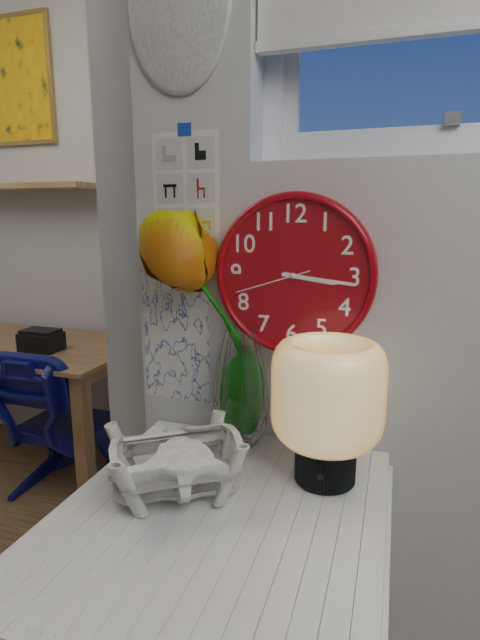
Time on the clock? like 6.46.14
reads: 3.16.42
